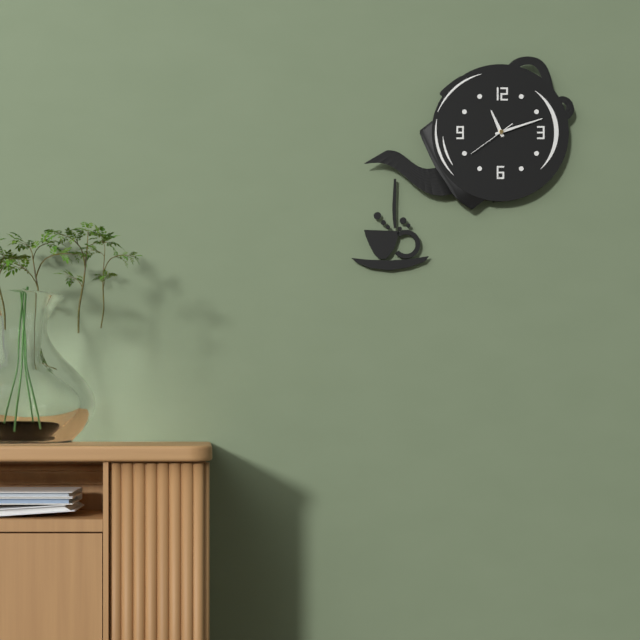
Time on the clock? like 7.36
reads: 11.12
